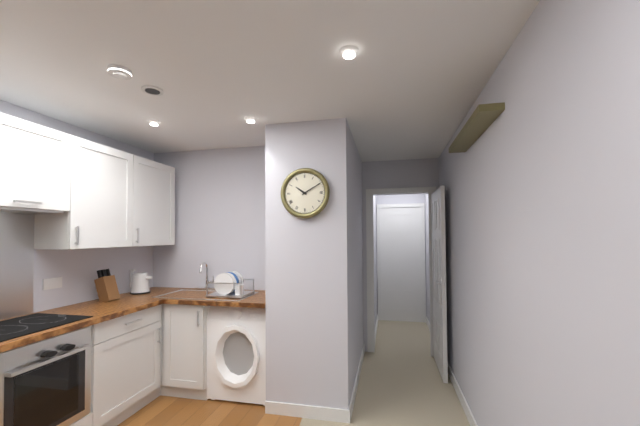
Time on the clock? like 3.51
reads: 10.10
